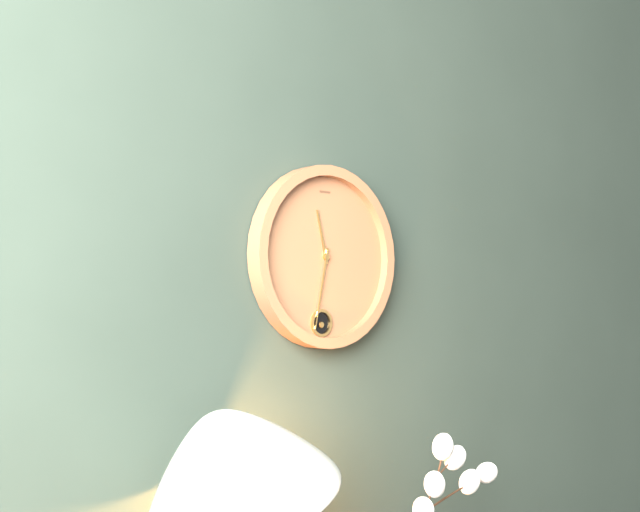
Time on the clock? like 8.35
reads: 11.32
